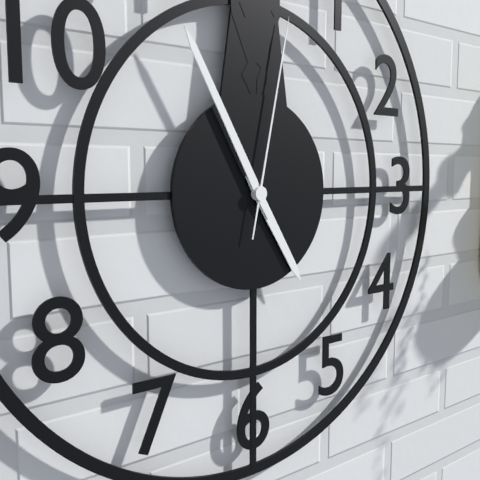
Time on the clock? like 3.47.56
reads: 4.55.02
